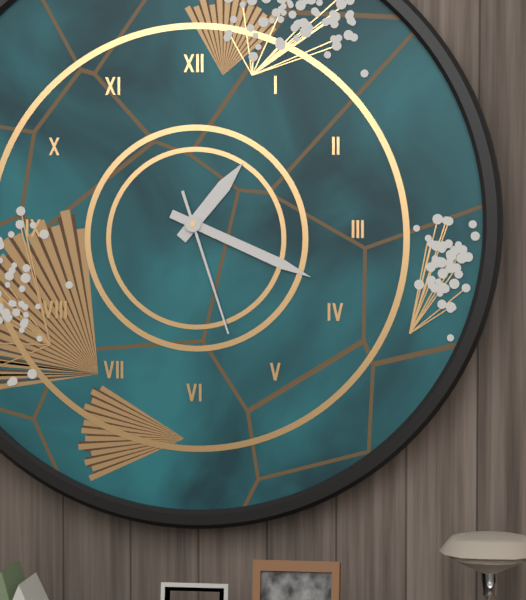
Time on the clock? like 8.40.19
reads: 1.19.27
